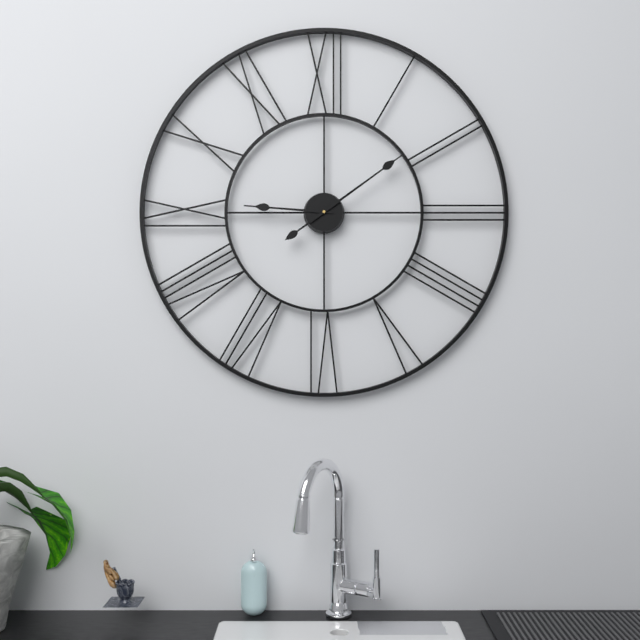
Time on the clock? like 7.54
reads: 9.09
